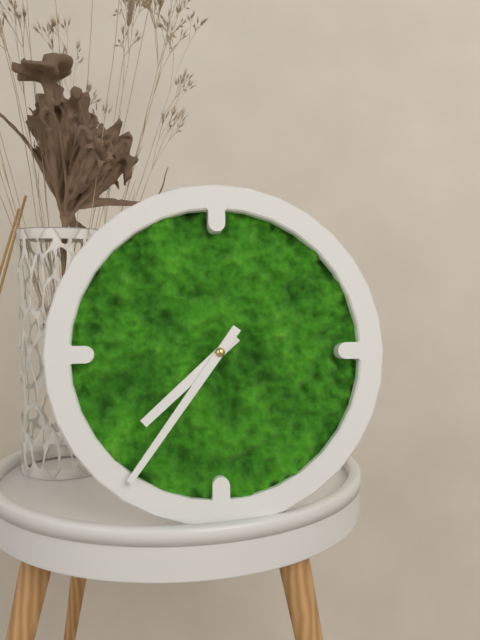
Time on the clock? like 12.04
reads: 7.36
